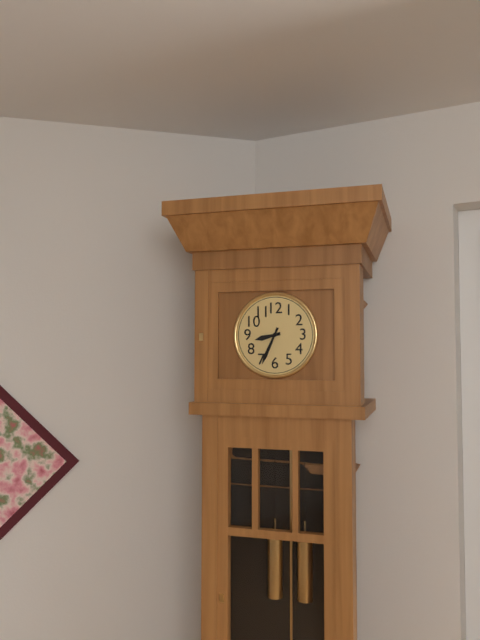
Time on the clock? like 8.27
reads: 8.34
